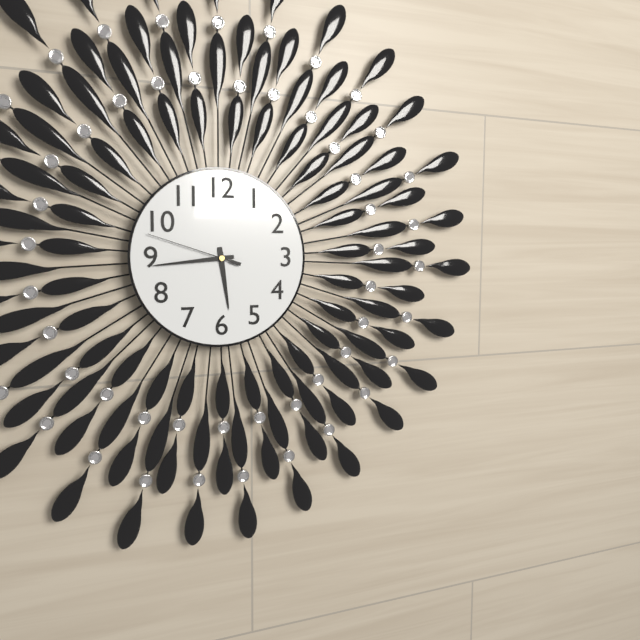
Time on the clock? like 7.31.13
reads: 5.44.48
